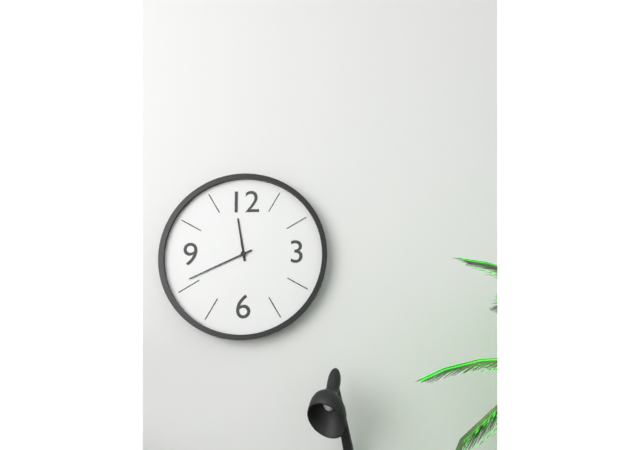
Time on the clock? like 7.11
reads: 11.41
